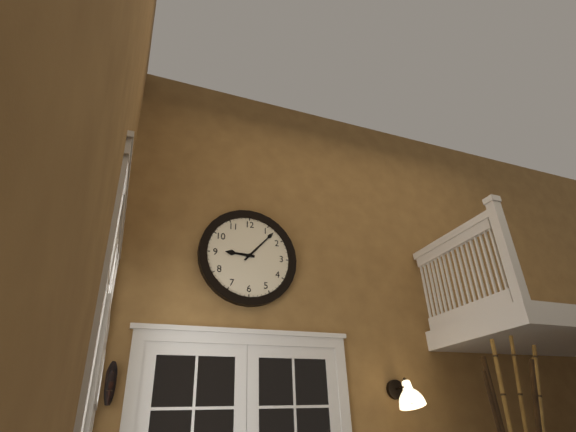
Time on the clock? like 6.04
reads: 9.07
